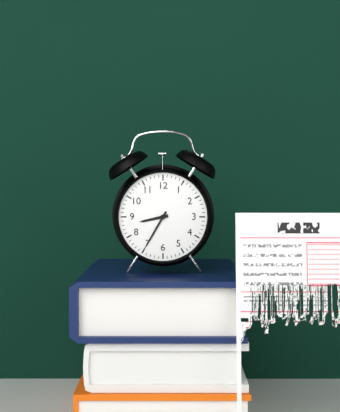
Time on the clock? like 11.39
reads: 8.35
